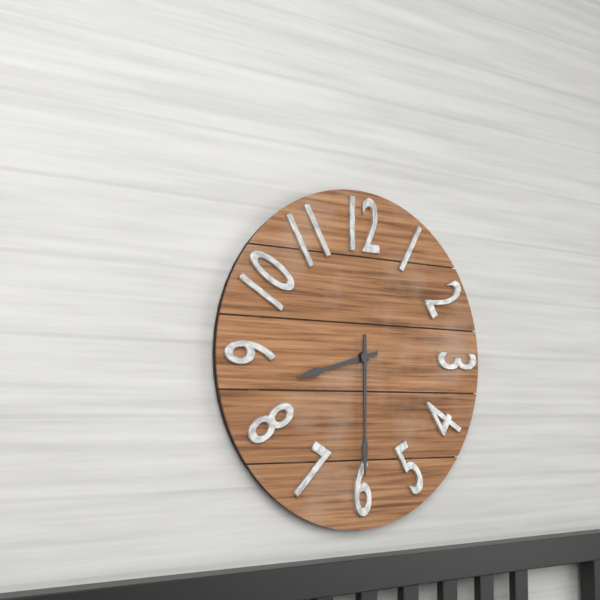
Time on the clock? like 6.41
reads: 8.30
